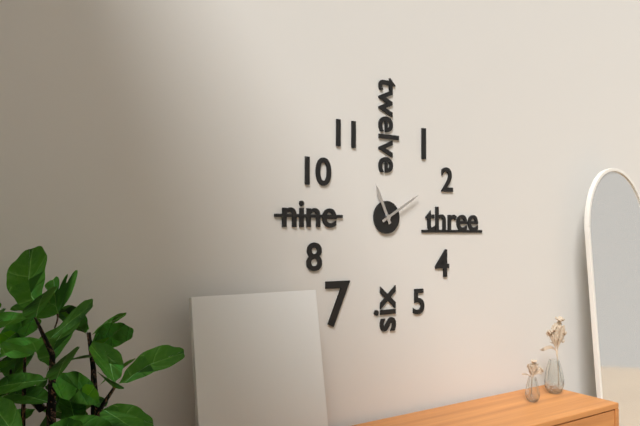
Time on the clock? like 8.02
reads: 11.10
